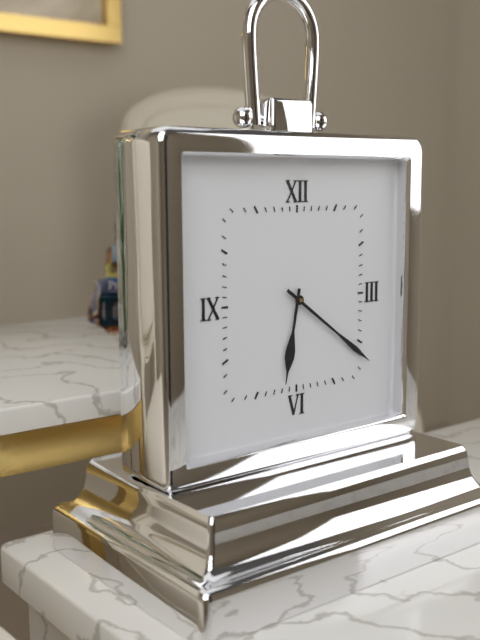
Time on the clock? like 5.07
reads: 6.21
